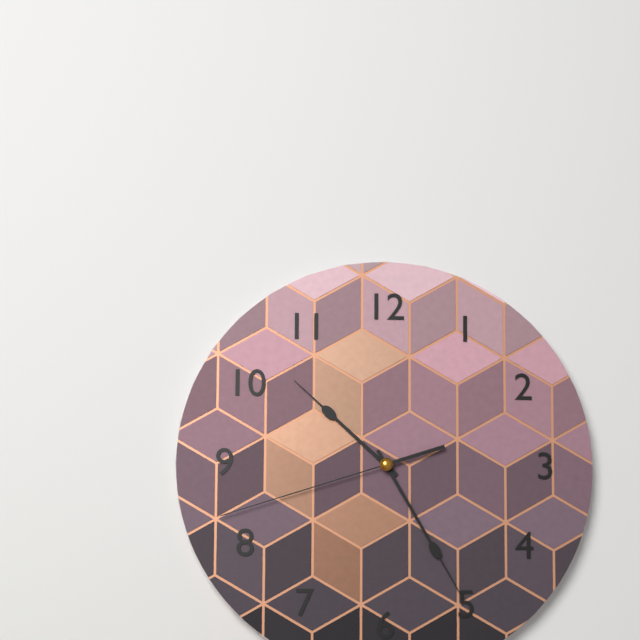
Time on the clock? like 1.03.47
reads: 10.25.42
